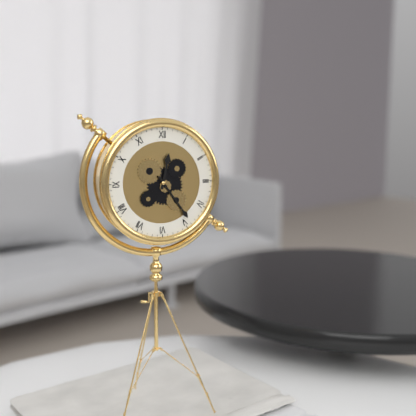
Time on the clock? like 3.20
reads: 12.24
